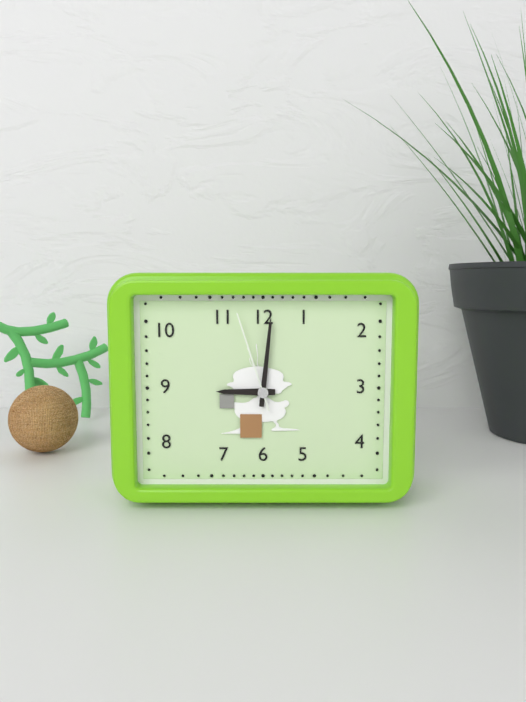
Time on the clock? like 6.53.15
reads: 9.01.57
